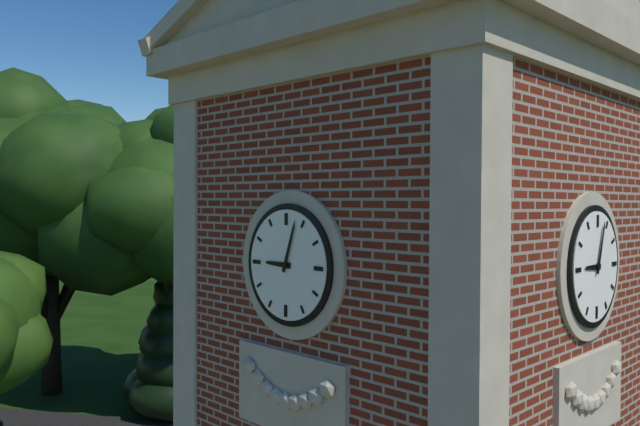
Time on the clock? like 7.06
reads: 9.03
